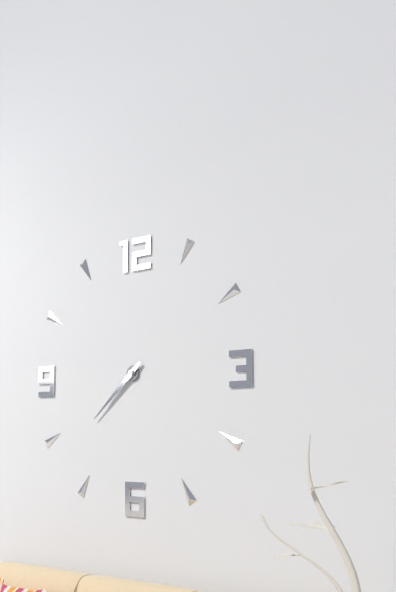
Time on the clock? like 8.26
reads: 7.38
